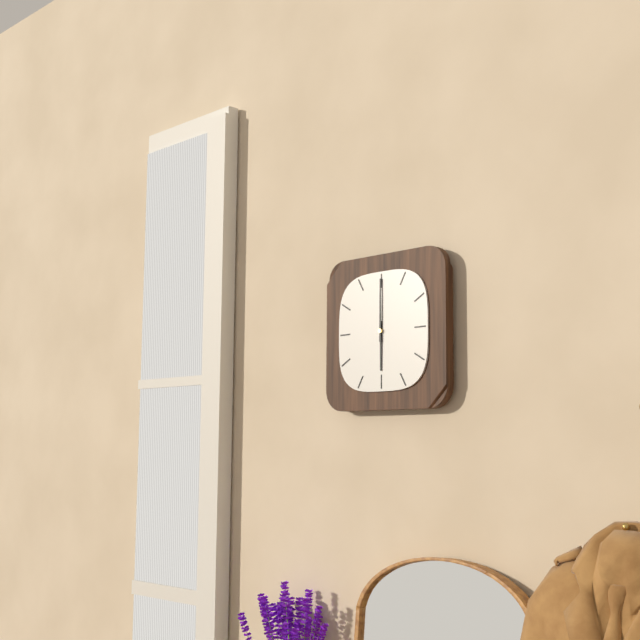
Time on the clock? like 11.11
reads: 6.00
